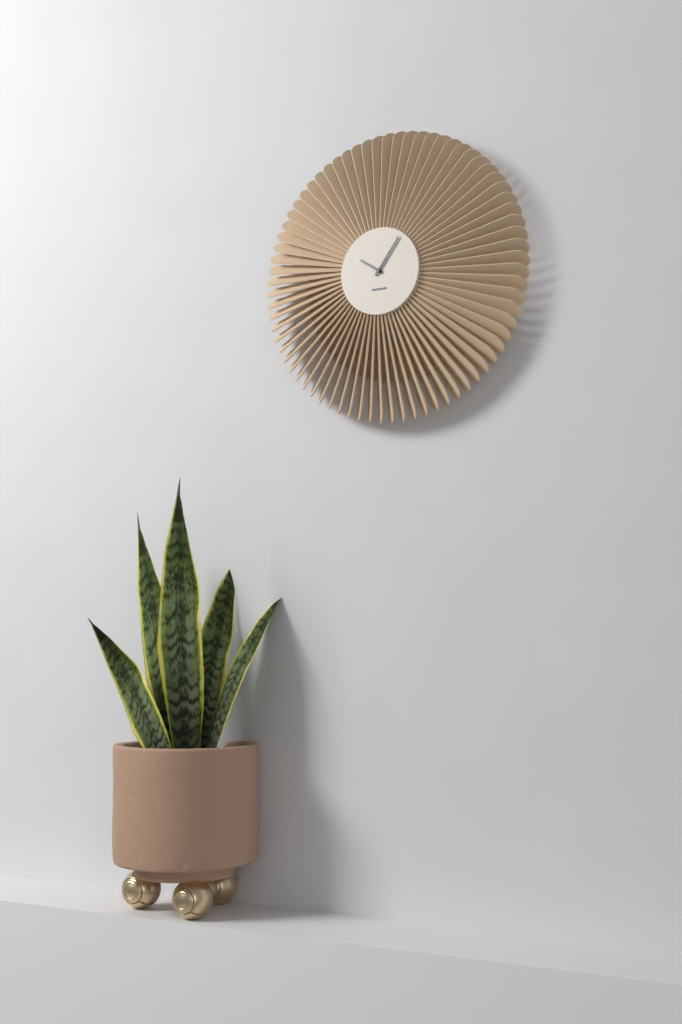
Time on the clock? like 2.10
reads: 10.06
